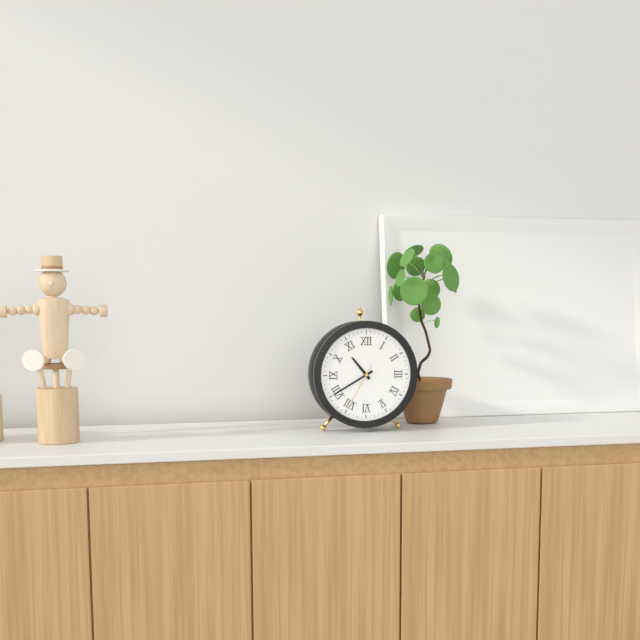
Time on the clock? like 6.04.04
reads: 10.40.35
